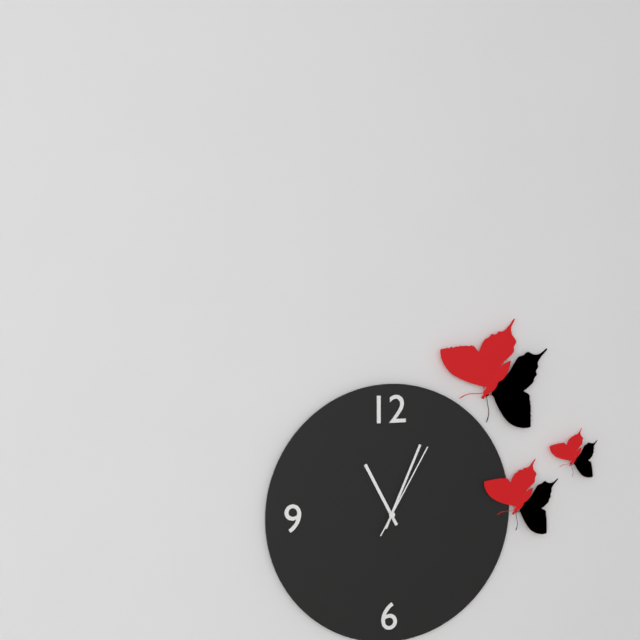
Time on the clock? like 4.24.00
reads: 11.04.05
